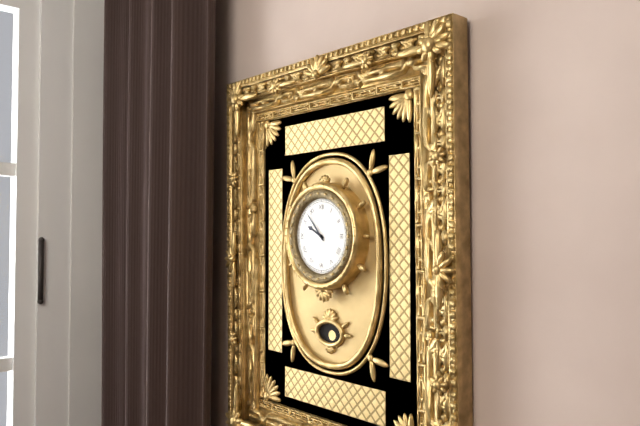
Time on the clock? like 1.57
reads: 9.53
